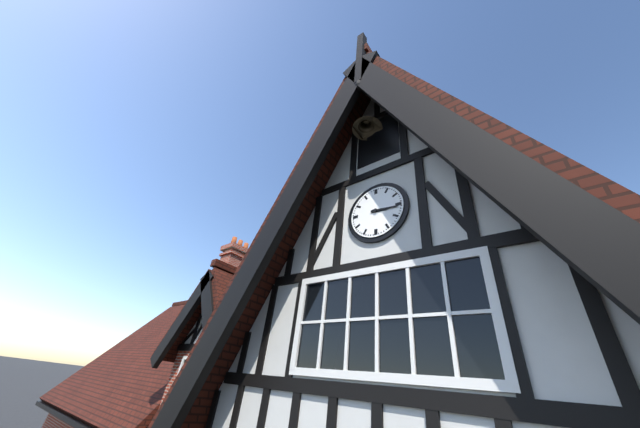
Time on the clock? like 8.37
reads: 3.16
